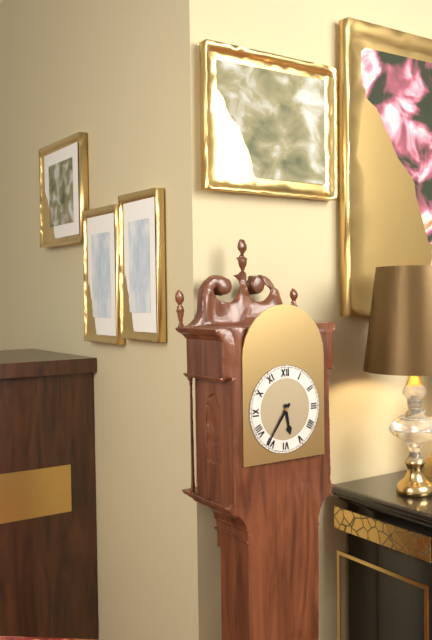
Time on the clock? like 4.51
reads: 5.36
